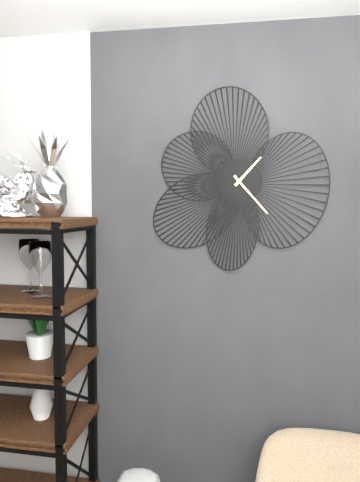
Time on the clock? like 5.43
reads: 1.23
